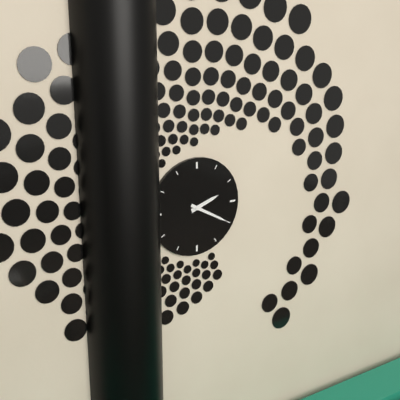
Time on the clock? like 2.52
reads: 2.20
